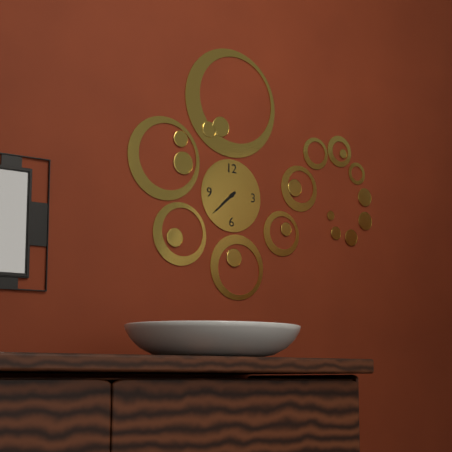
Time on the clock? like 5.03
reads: 7.38
